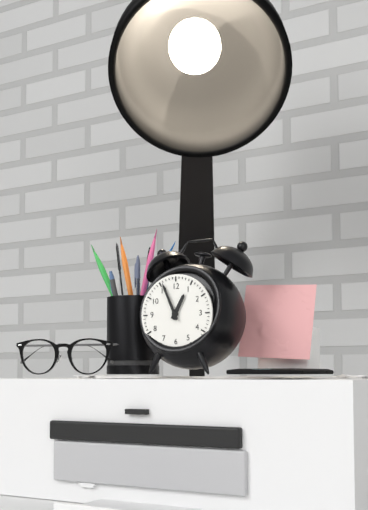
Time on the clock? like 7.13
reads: 12.56
